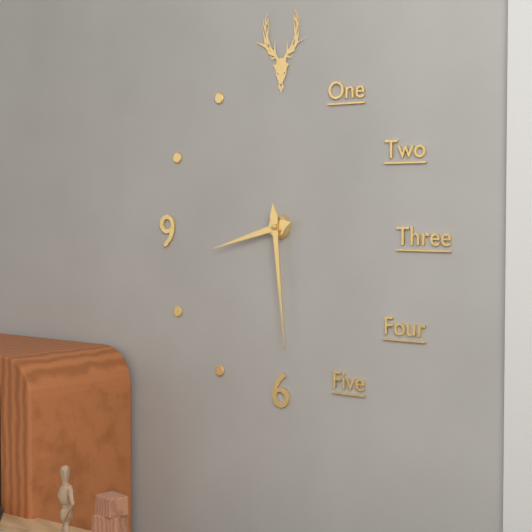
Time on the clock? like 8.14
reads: 8.29
